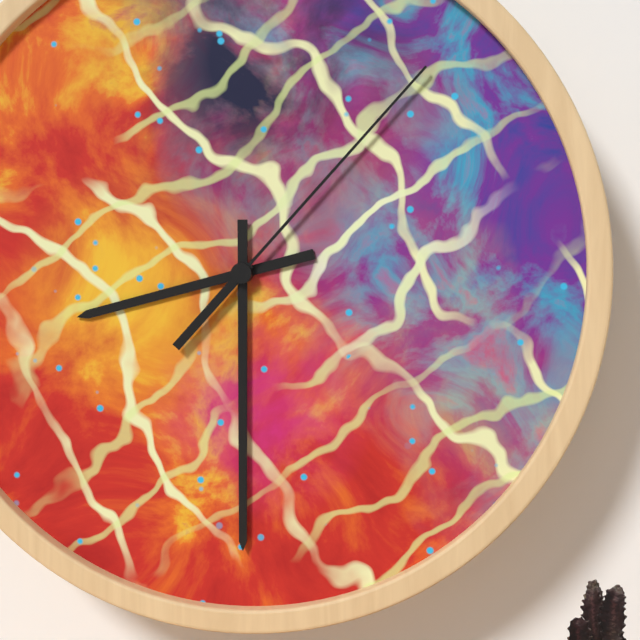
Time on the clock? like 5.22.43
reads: 8.30.07
